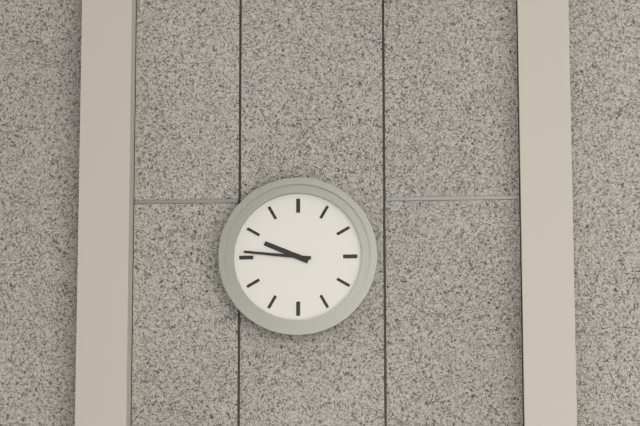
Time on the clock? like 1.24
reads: 9.46
